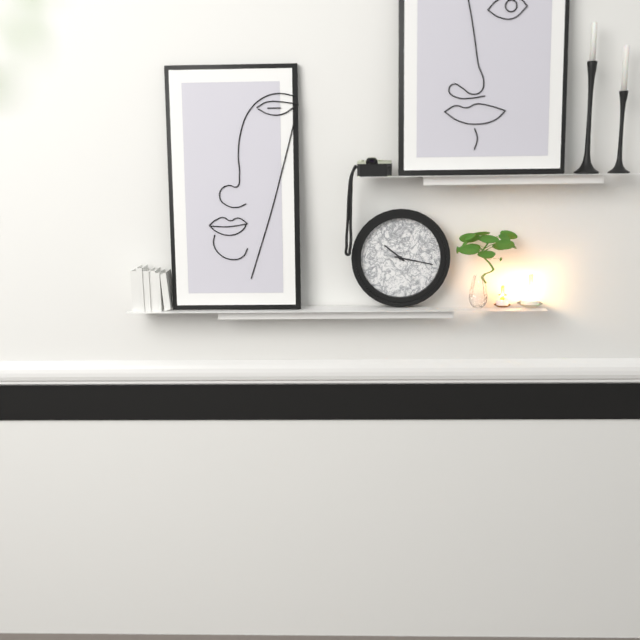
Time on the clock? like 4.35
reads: 10.17
